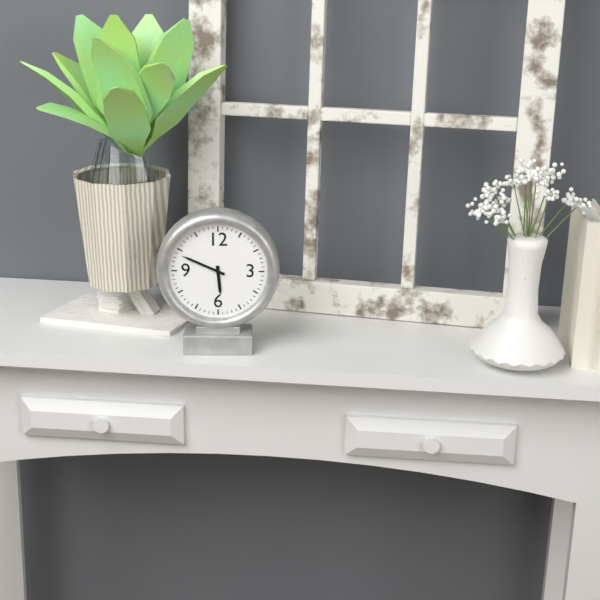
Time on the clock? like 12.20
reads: 5.49
